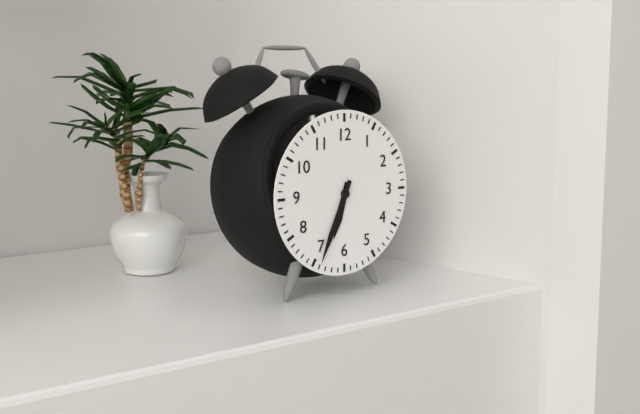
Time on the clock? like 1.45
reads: 6.34
